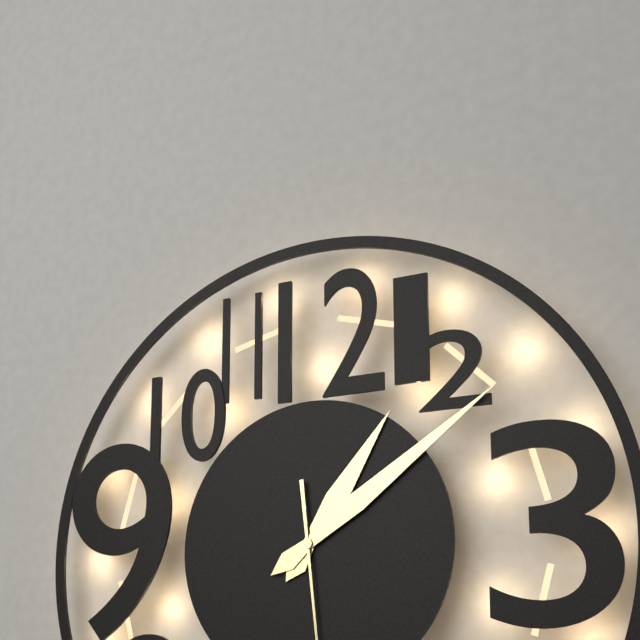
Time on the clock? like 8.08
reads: 1.09
